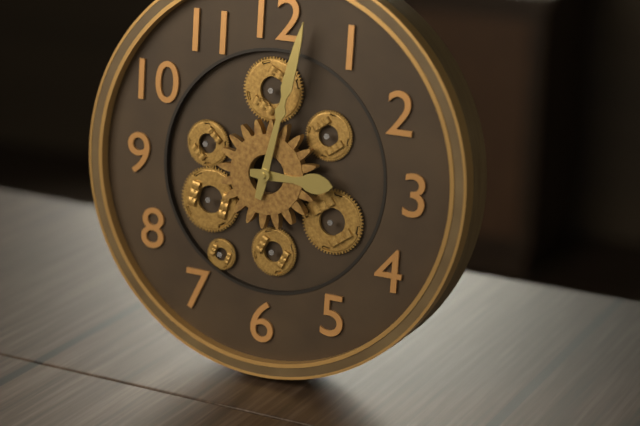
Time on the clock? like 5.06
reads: 3.02
